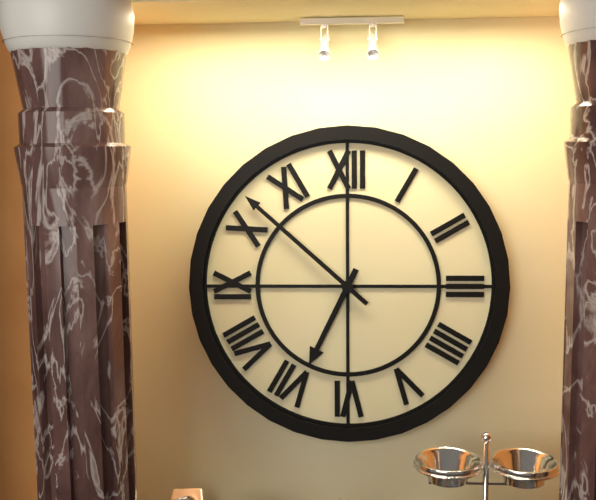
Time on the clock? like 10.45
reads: 6.52
